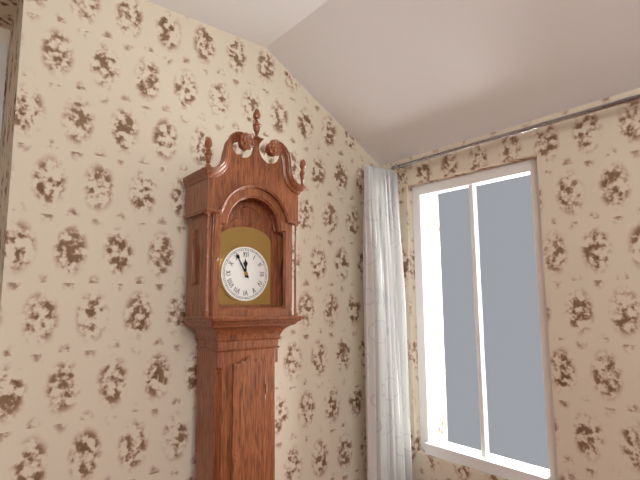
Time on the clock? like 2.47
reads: 11.55
